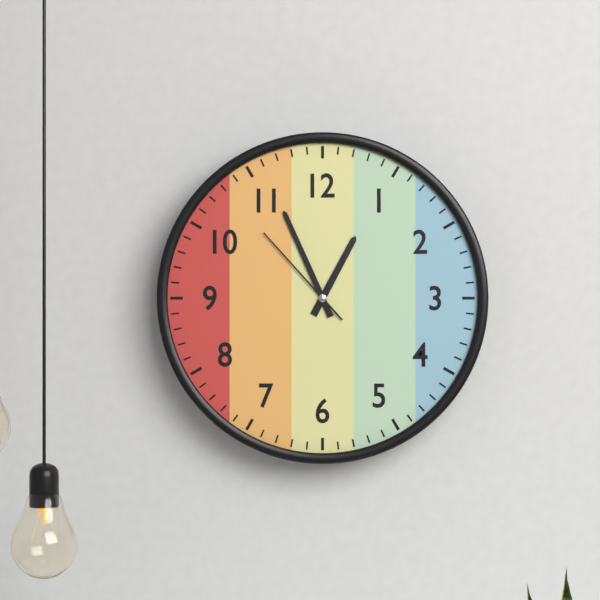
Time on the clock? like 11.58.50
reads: 12.56.53
